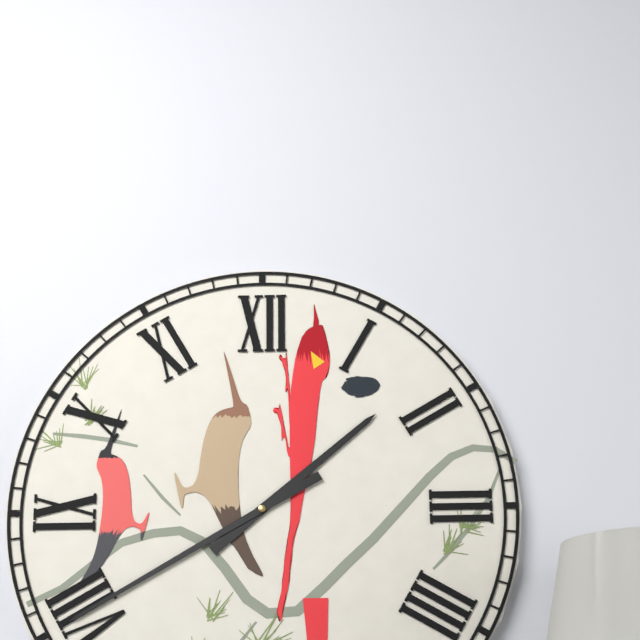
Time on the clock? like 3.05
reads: 1.40
